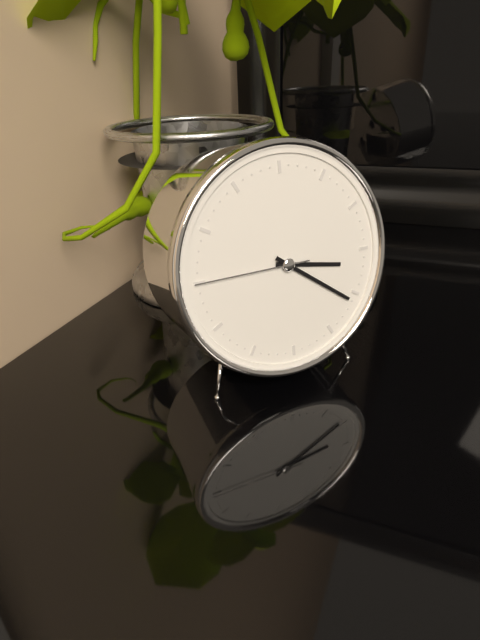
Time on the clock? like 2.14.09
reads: 3.21.45
